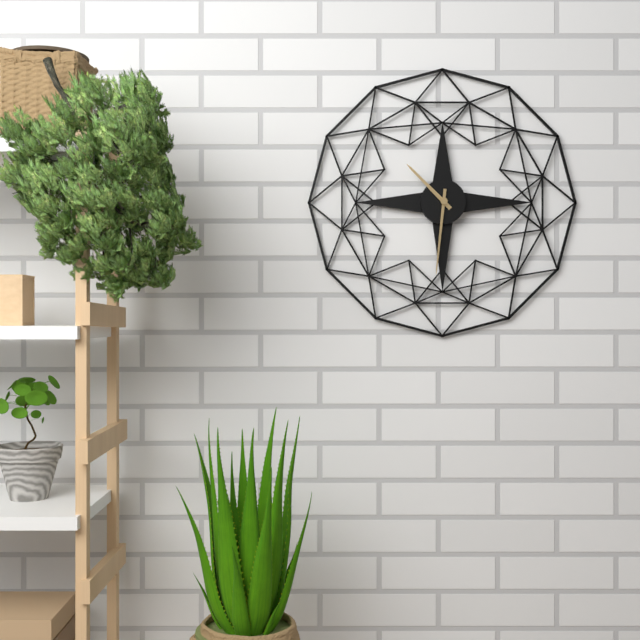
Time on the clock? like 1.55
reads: 10.31
